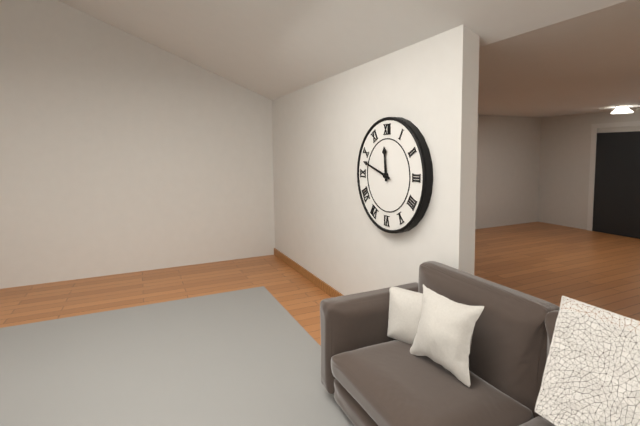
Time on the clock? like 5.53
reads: 11.48
